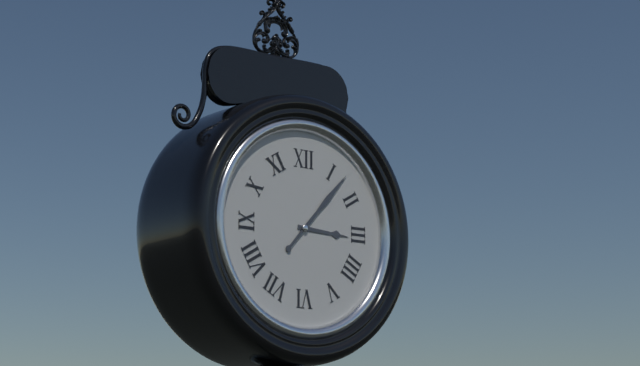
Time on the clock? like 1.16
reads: 3.07
